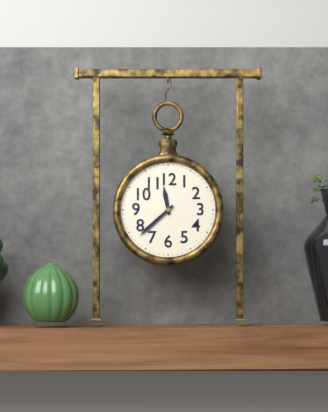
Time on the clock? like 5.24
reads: 11.38
